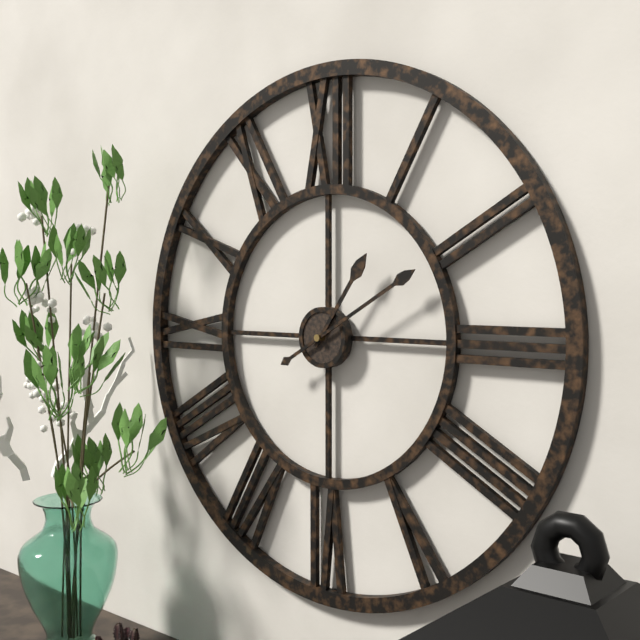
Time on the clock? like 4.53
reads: 1.10
